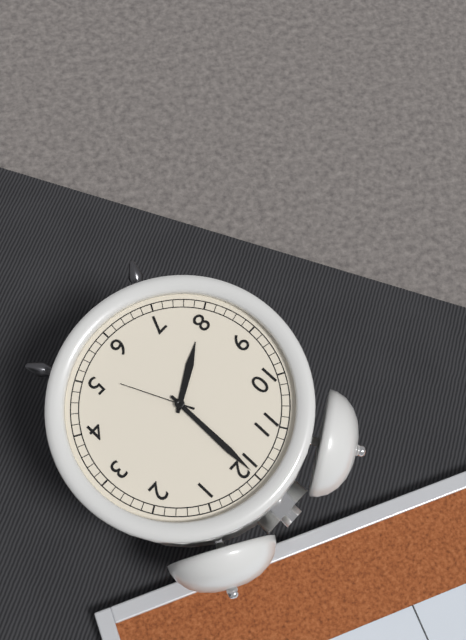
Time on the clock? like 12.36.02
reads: 8.00.26
